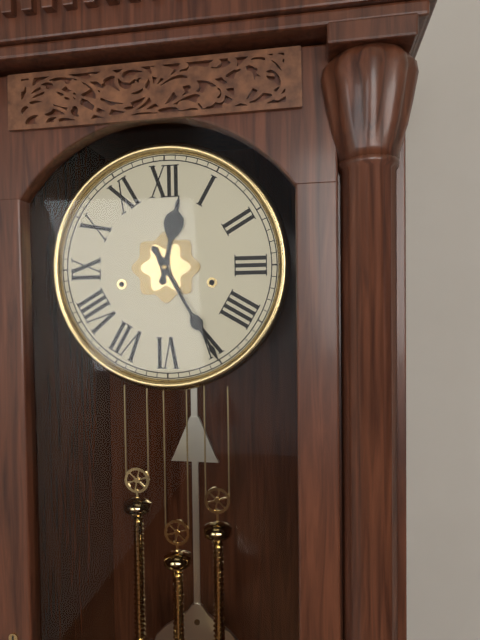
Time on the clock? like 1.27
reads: 12.25
